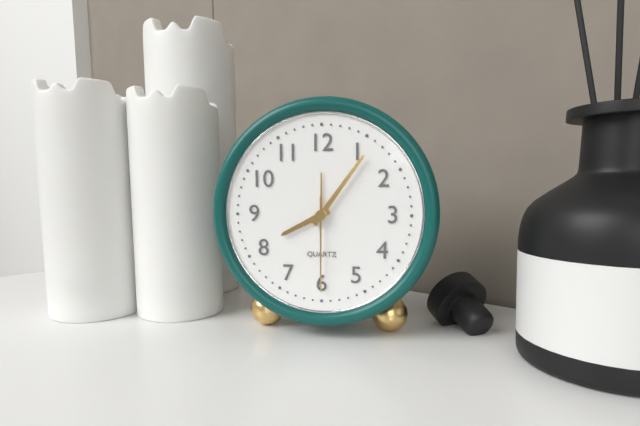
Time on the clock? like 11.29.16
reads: 8.06.30
